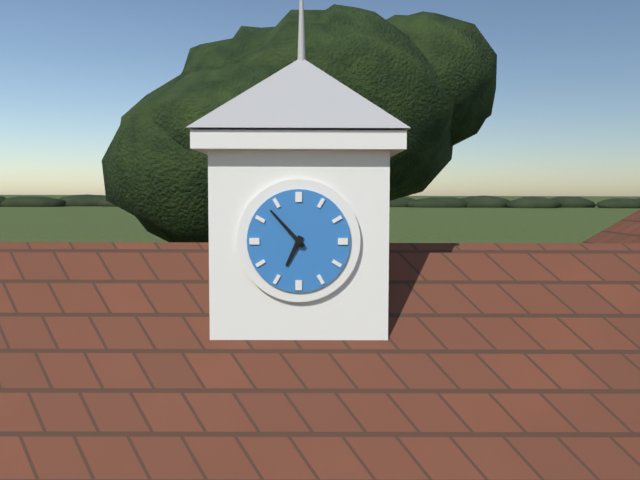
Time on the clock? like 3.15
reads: 6.53
